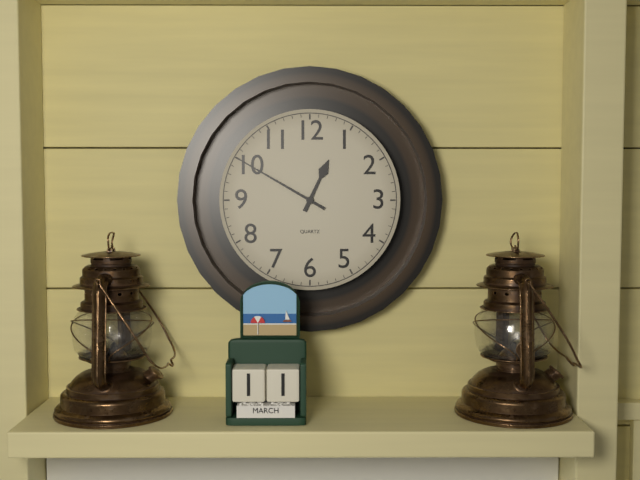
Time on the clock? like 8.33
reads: 12.50
